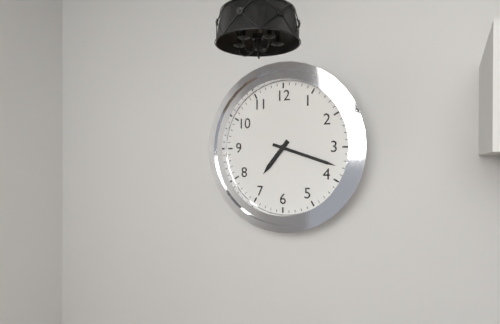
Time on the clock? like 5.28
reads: 7.18
